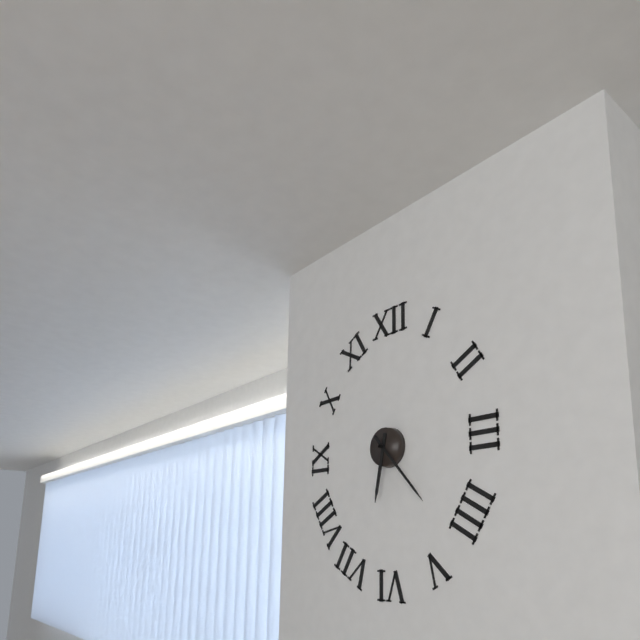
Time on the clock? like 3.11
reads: 6.23
